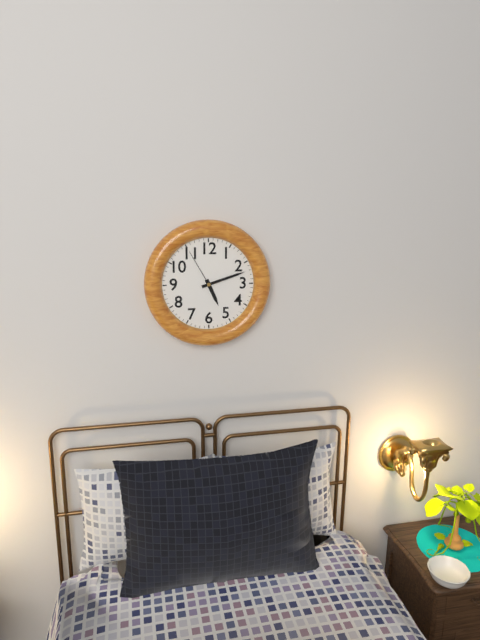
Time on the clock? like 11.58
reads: 5.12
